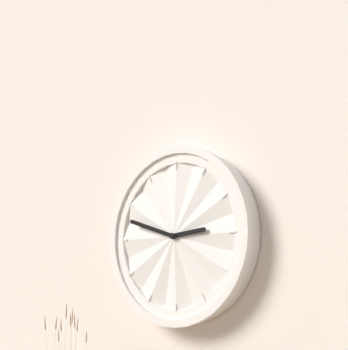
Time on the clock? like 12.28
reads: 2.48
